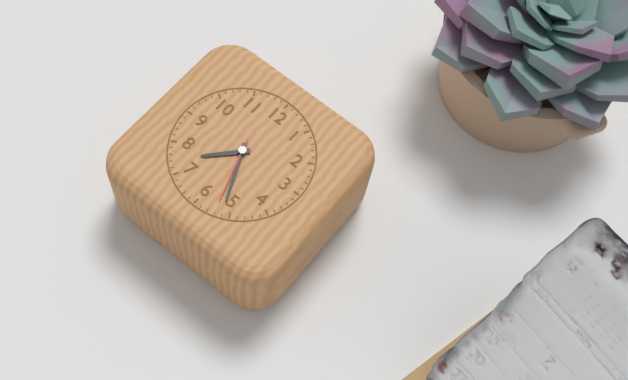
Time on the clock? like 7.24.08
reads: 7.26.27
